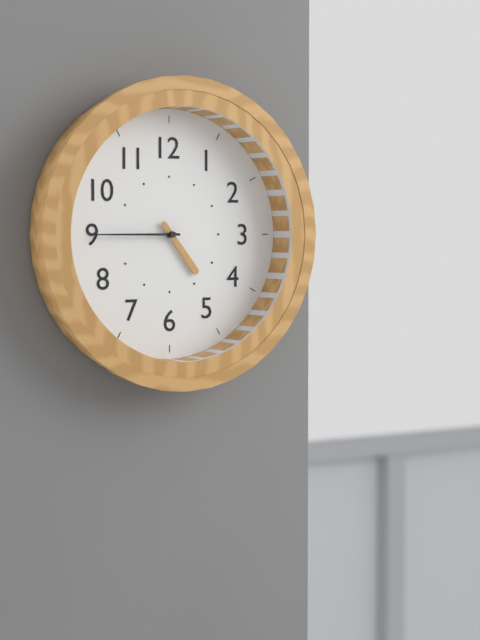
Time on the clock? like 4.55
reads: 4.45
